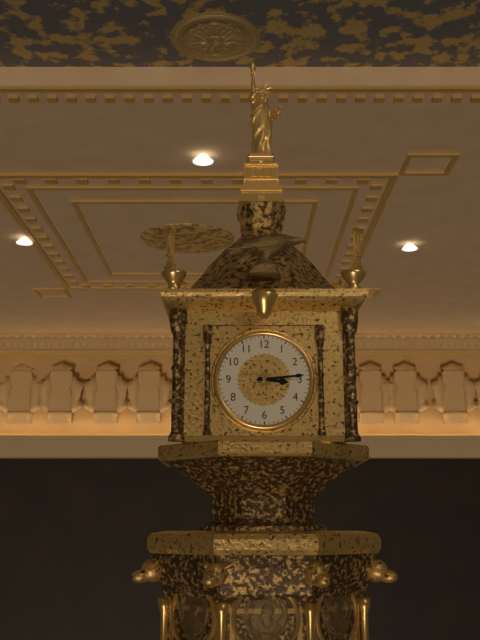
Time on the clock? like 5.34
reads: 3.14
